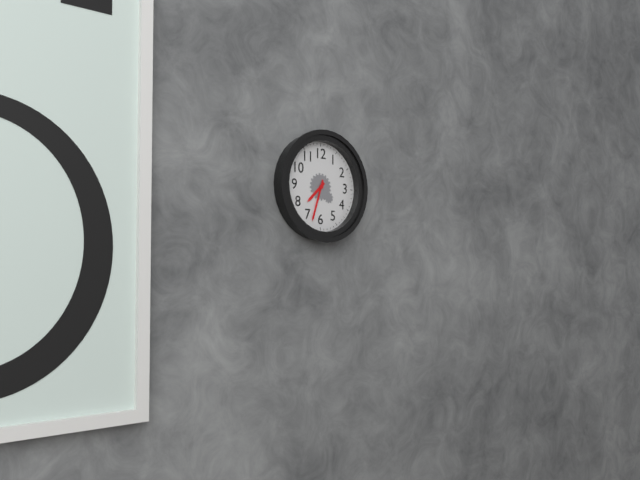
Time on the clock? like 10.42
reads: 7.33
